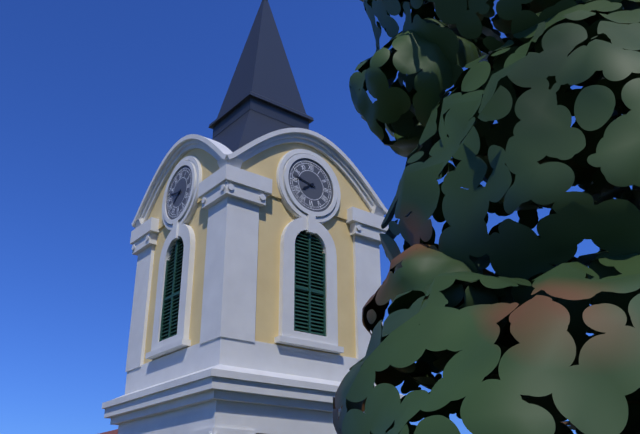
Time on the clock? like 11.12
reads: 7.47
